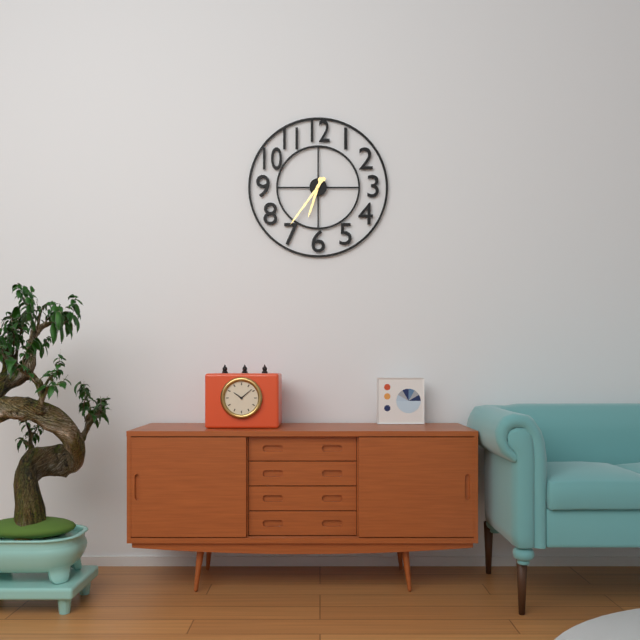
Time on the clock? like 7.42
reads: 6.36
